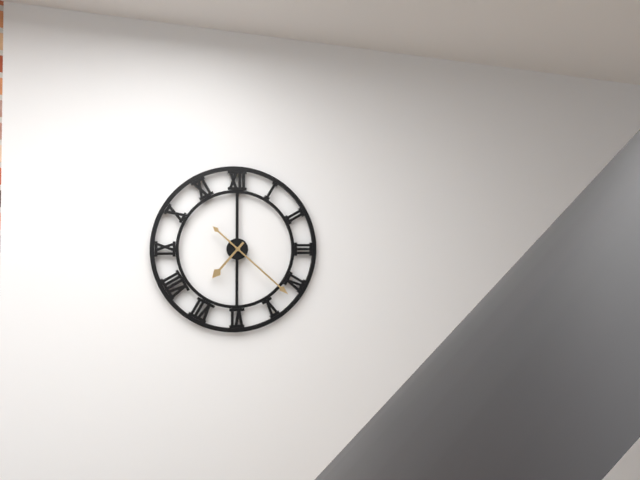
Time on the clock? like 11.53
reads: 7.22
